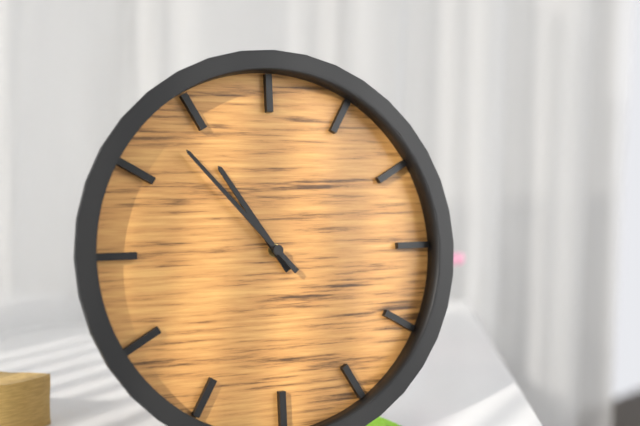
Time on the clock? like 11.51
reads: 10.53
